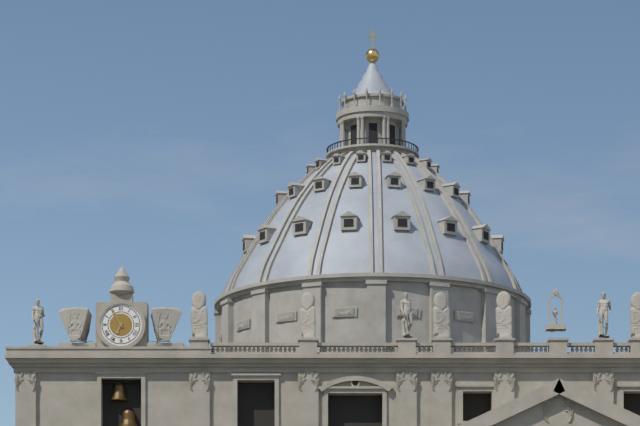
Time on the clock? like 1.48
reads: 6.55
